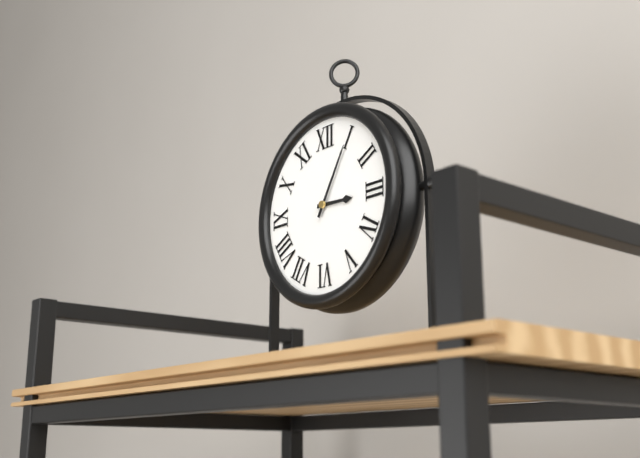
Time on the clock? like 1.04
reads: 3.05
